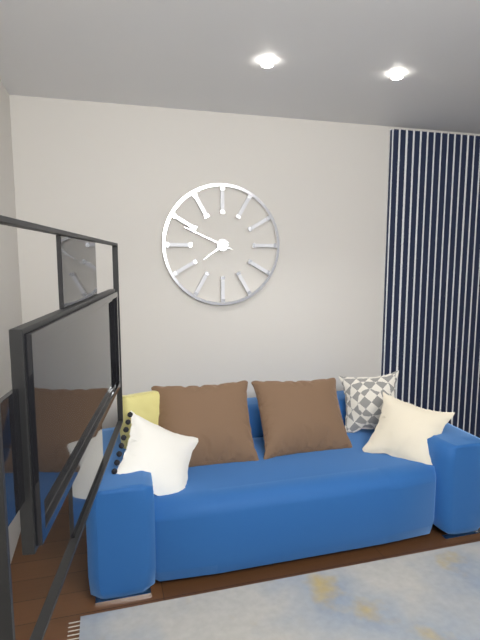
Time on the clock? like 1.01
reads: 7.49
